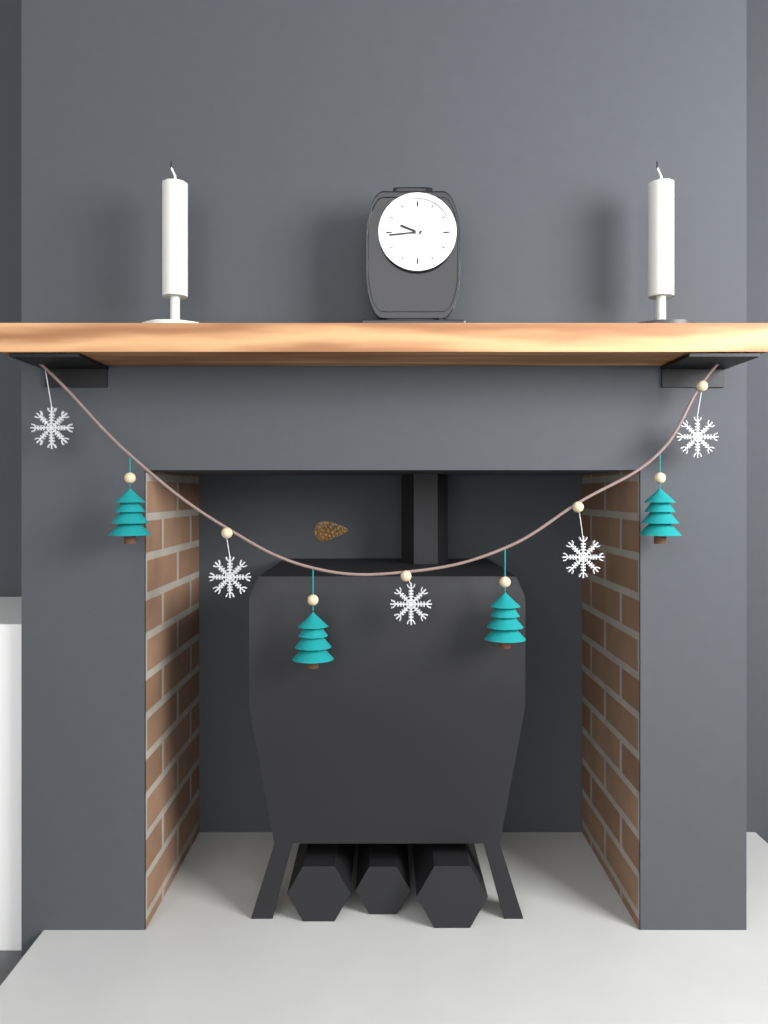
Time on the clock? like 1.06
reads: 9.44
